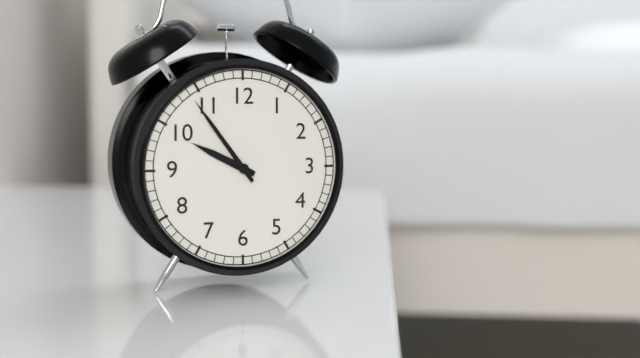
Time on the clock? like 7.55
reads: 9.54
